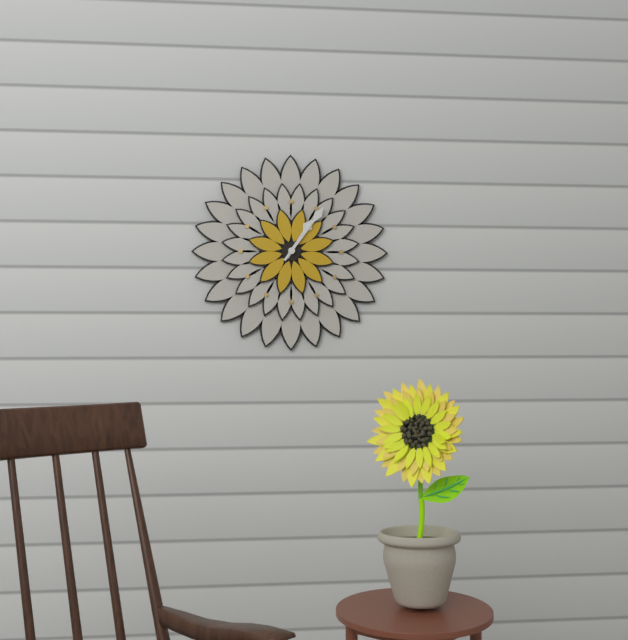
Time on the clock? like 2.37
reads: 1.06
